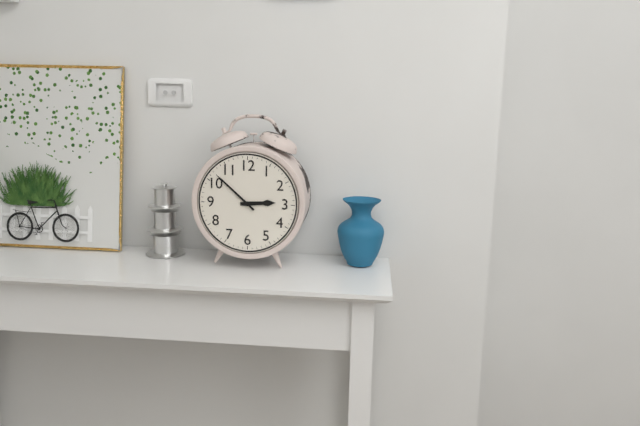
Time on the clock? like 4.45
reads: 2.52
